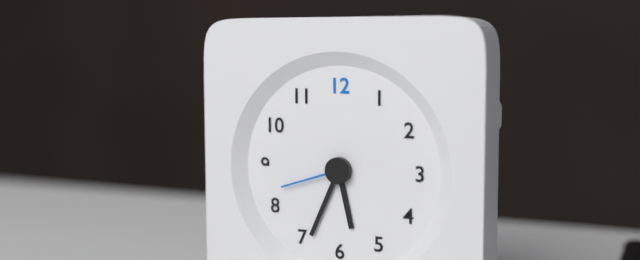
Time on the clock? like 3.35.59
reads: 5.34.42
